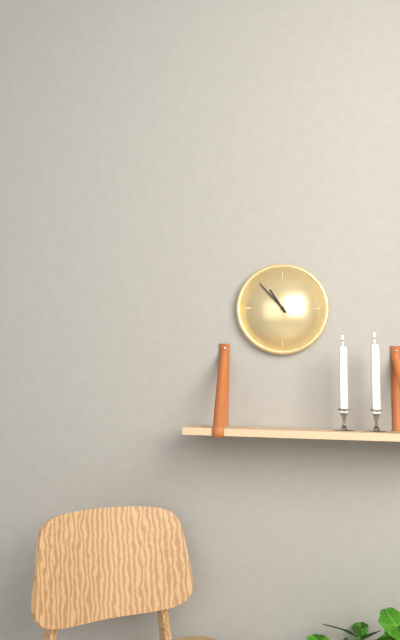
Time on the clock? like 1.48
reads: 10.53
